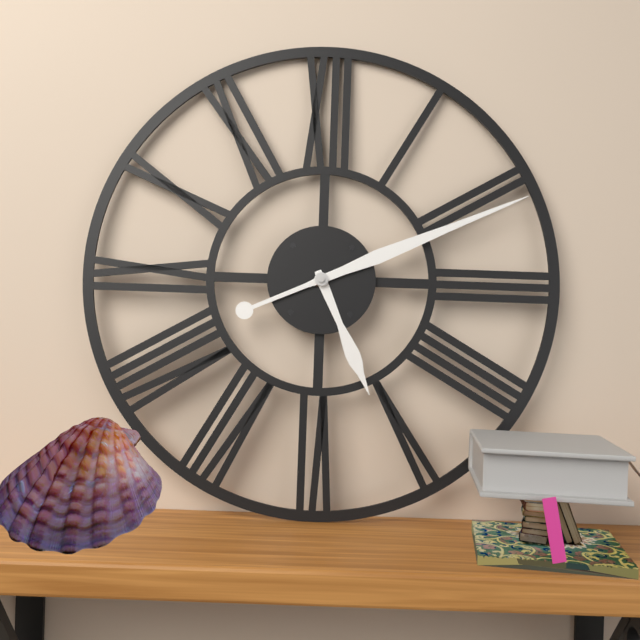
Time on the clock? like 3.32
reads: 5.11
